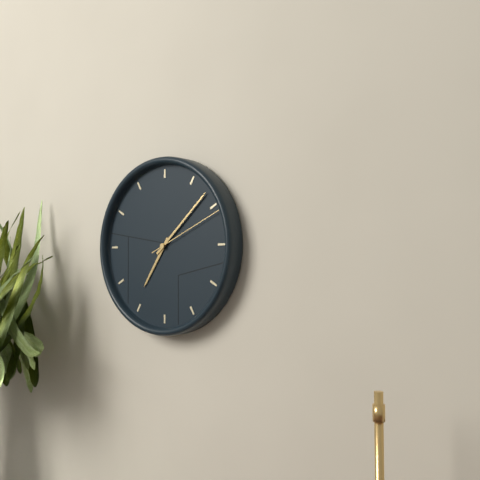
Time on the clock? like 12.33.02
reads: 7.08.11
